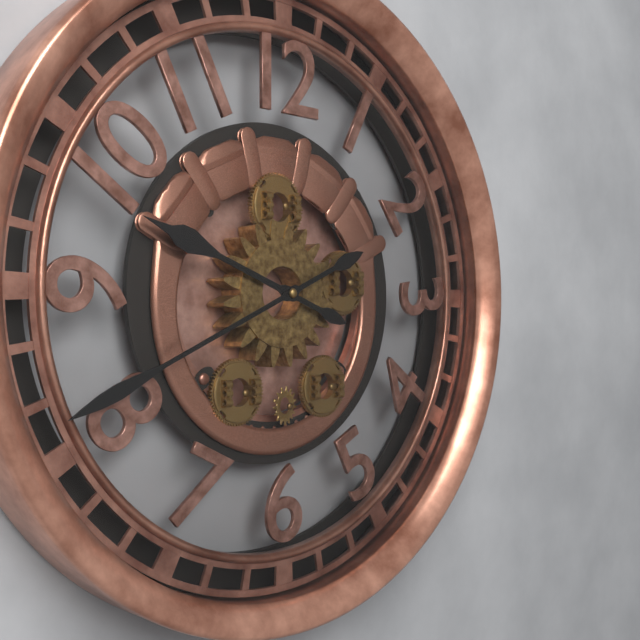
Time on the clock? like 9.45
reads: 9.41
